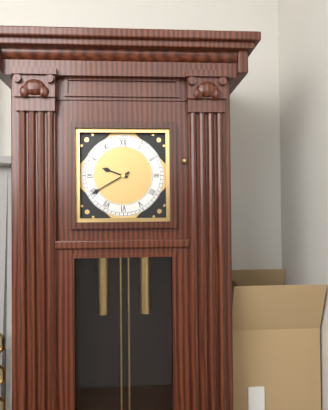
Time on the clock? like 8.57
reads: 9.40
